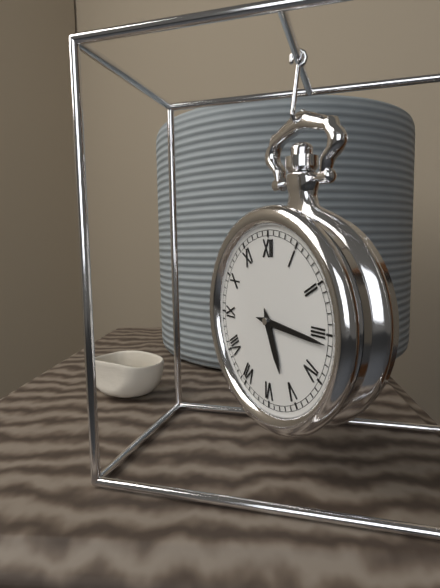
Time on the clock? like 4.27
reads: 5.16
